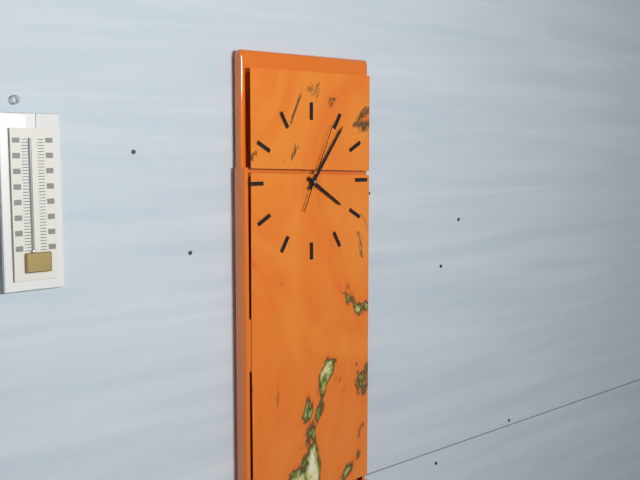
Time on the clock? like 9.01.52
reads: 4.06.04
